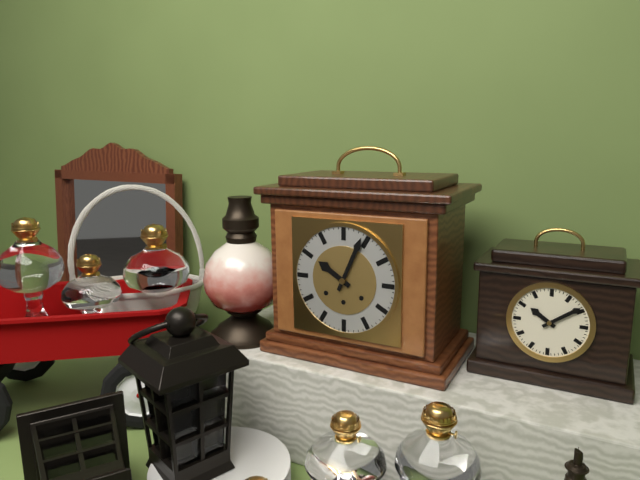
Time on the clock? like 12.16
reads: 10.04
